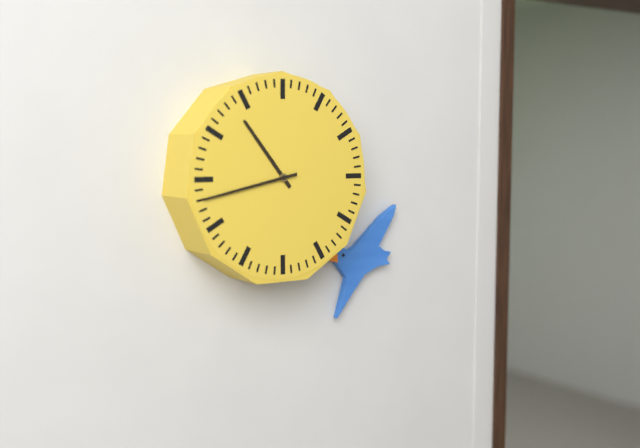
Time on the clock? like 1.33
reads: 10.43
